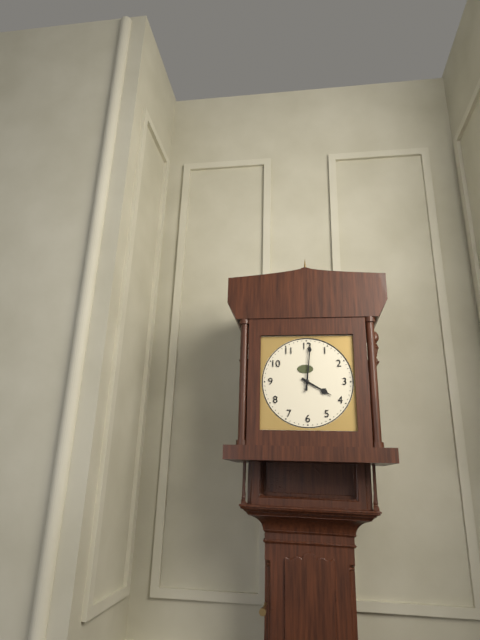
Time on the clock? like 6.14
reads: 4.01
